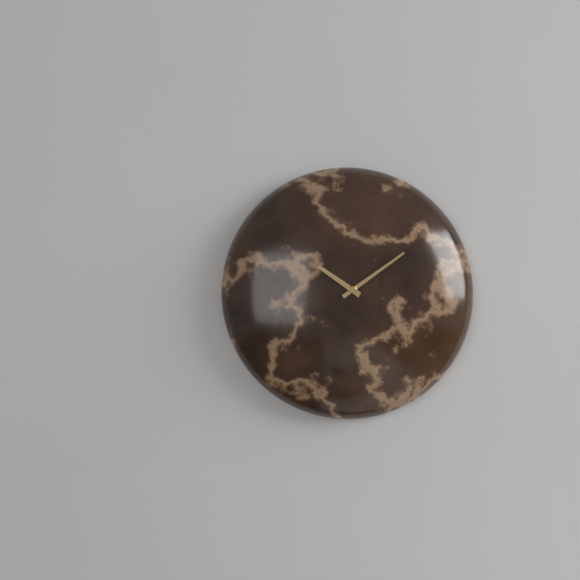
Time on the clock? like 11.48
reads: 10.09
